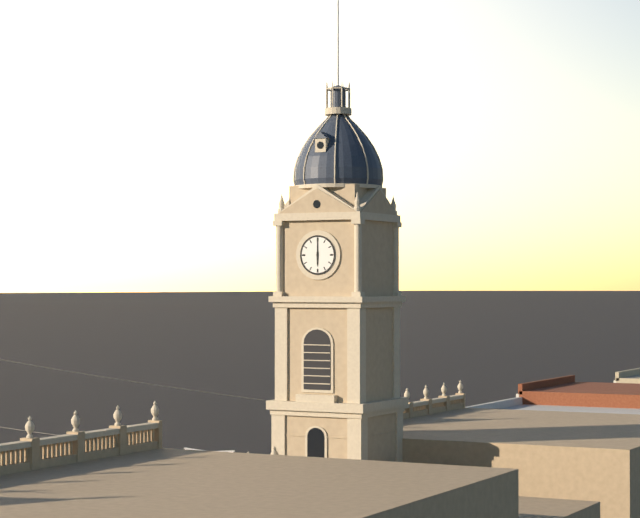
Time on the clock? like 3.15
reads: 6.00
